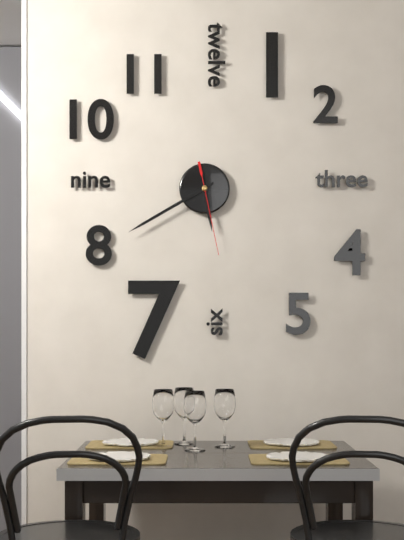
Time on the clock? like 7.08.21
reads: 5.40.28
